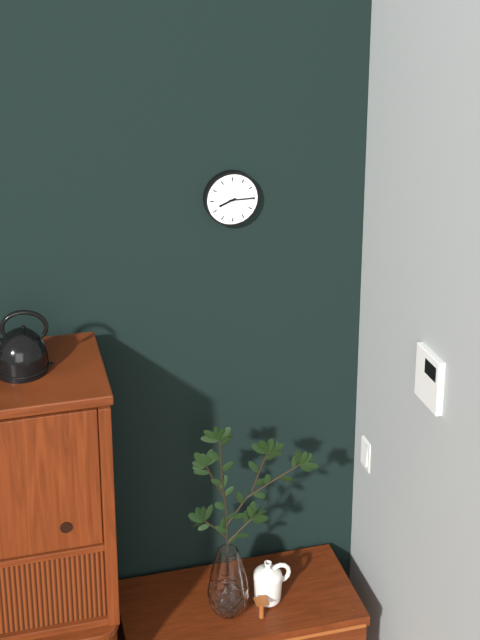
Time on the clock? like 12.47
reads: 8.15
